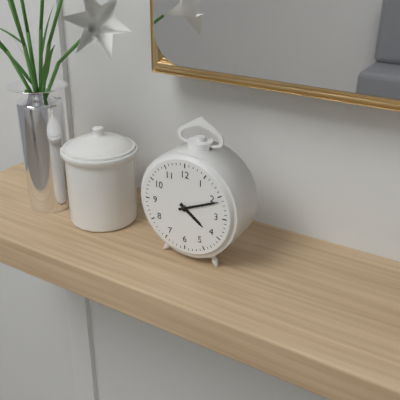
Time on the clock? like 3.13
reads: 4.11
